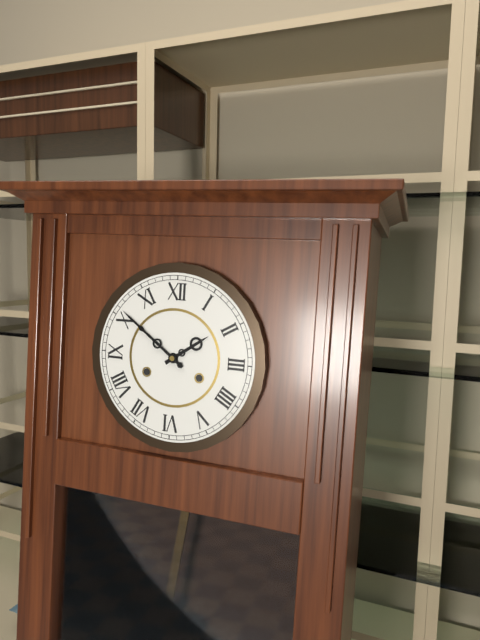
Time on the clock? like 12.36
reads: 1.51
